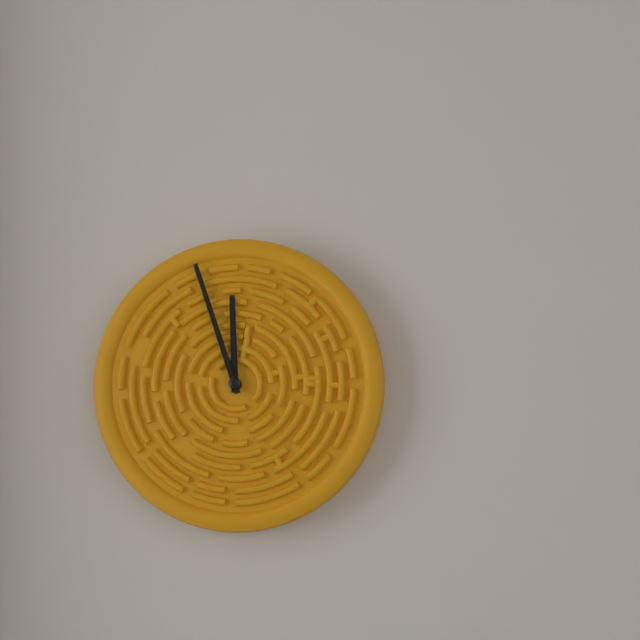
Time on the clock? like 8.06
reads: 11.57
